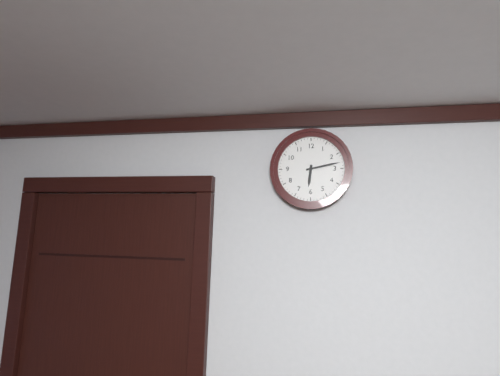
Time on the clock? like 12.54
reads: 6.13
